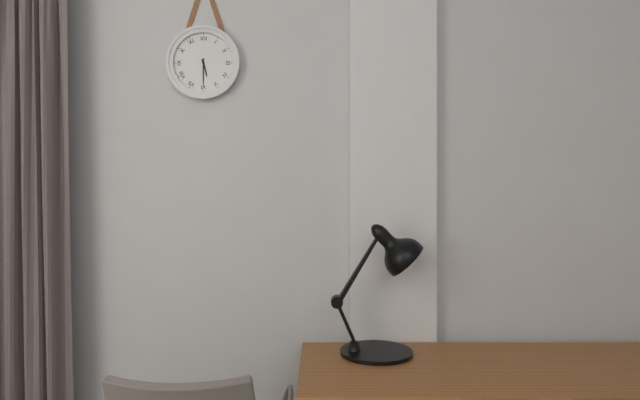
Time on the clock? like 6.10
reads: 5.30
